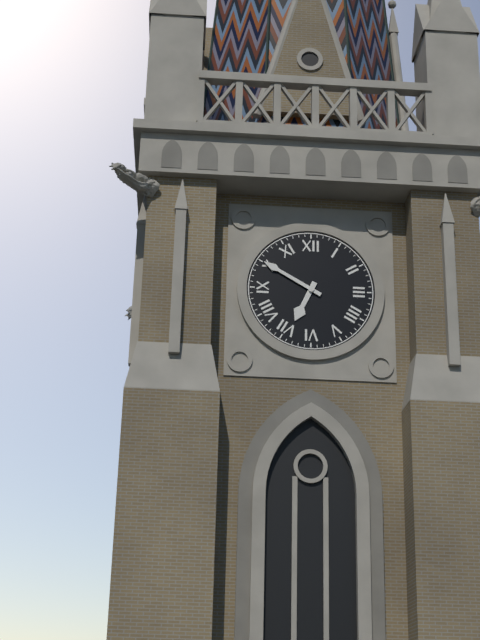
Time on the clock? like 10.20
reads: 6.50
